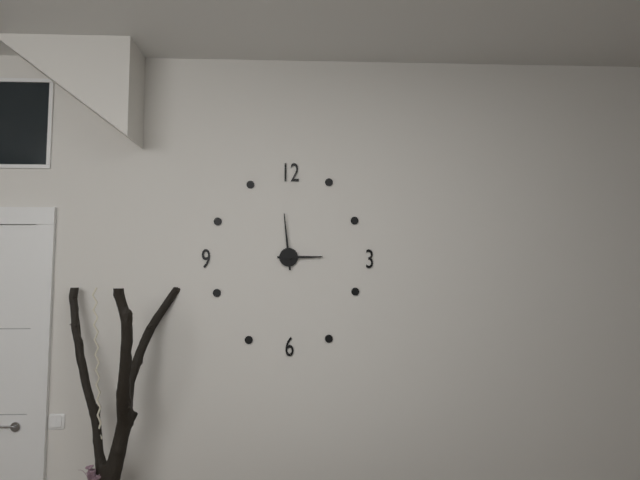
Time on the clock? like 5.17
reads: 2.59
